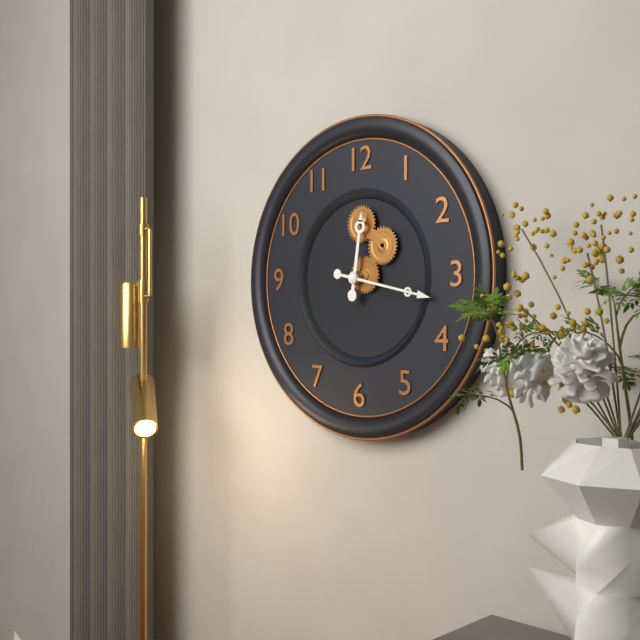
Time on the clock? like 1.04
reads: 12.17
